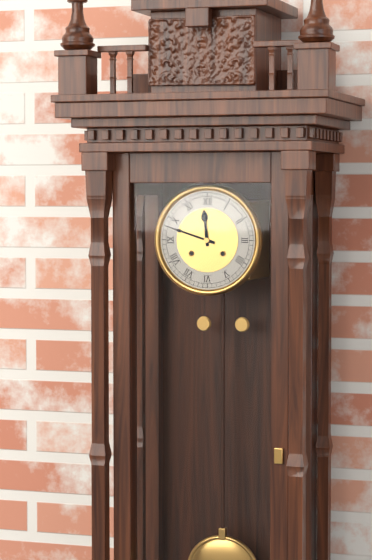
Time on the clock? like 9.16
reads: 11.48
